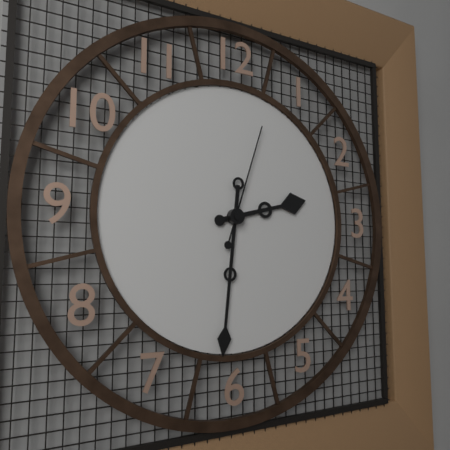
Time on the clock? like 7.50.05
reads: 2.31.03
